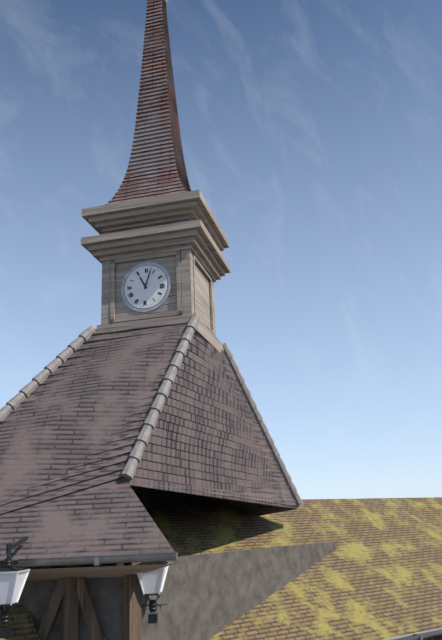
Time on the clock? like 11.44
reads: 11.03
